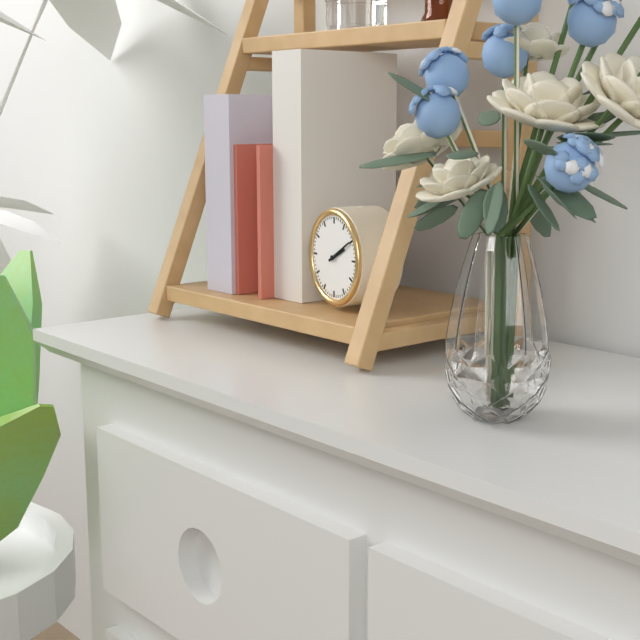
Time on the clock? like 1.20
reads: 2.10
